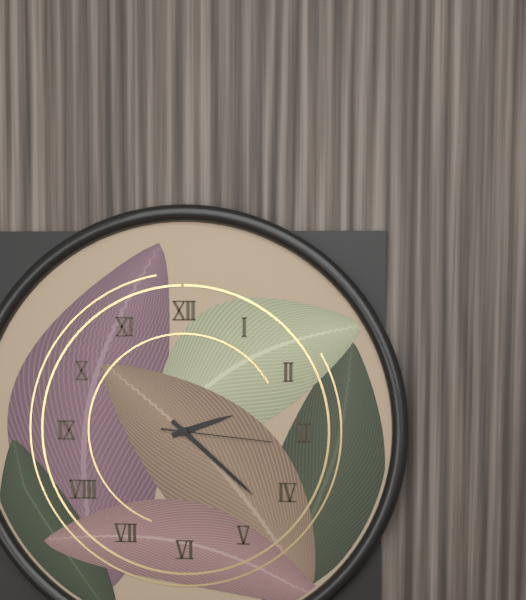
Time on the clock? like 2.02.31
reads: 2.22.16
